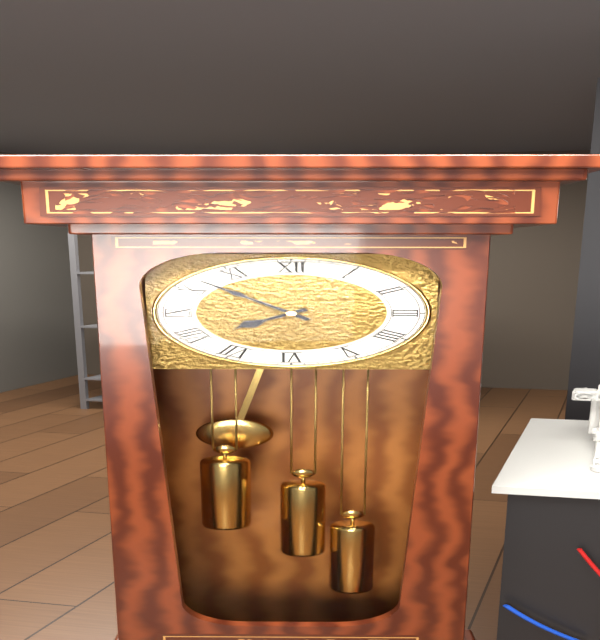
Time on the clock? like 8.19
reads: 7.52
